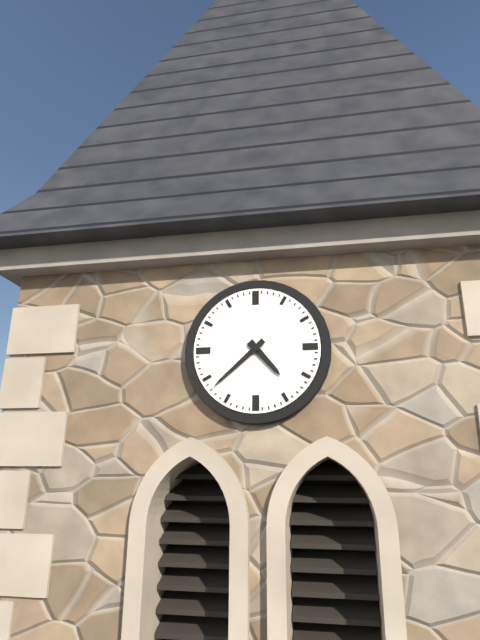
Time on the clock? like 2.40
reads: 4.38
